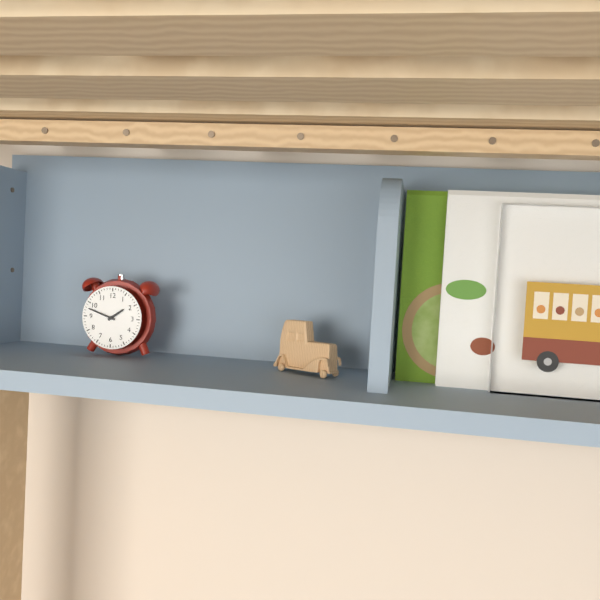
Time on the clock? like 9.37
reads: 1.48
